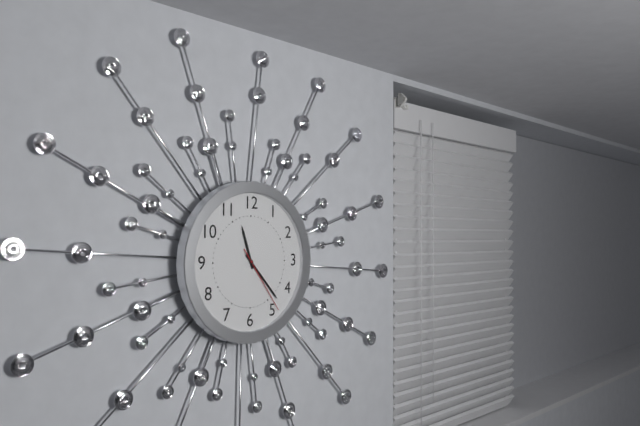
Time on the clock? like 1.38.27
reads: 11.23.24
